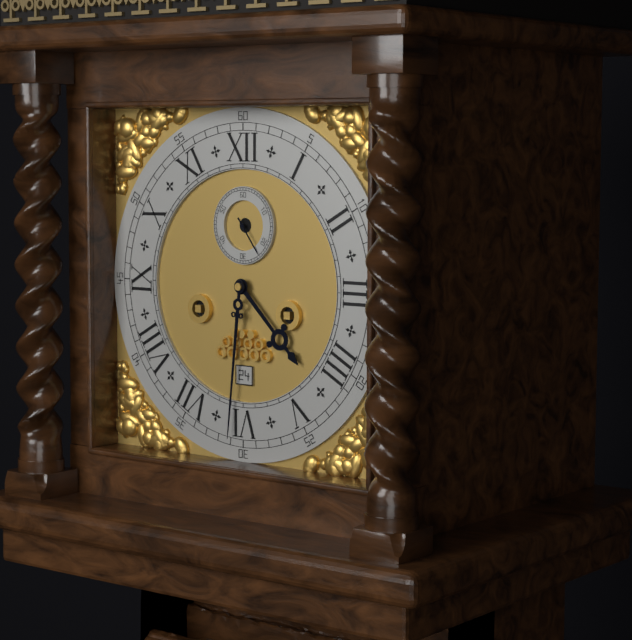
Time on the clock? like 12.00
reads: 4.31
